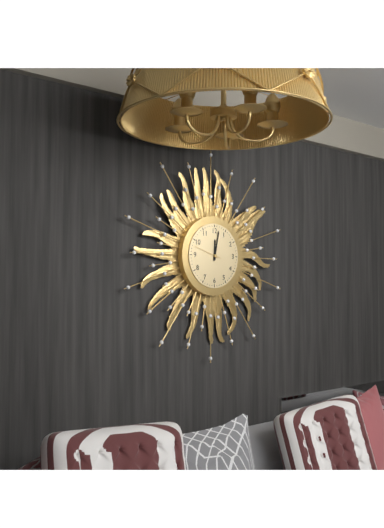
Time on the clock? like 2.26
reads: 12.02
